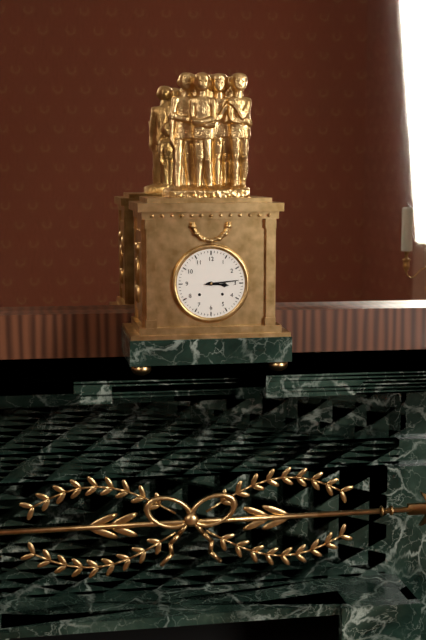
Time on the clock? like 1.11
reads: 3.14
